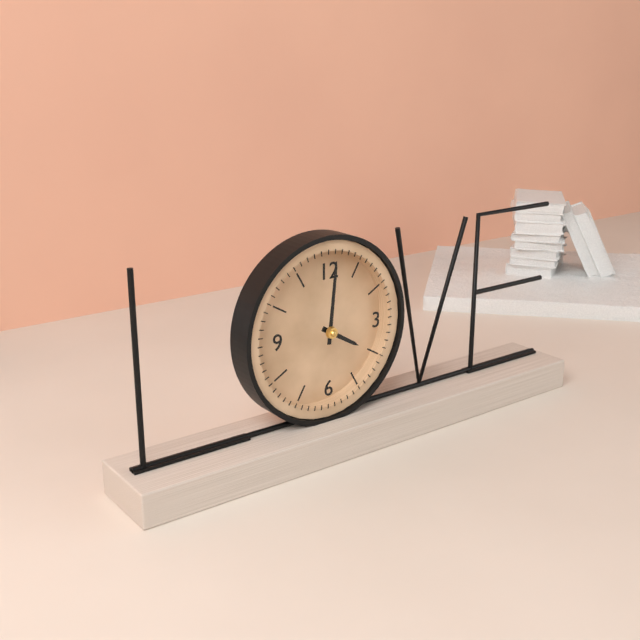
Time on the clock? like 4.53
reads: 4.01
